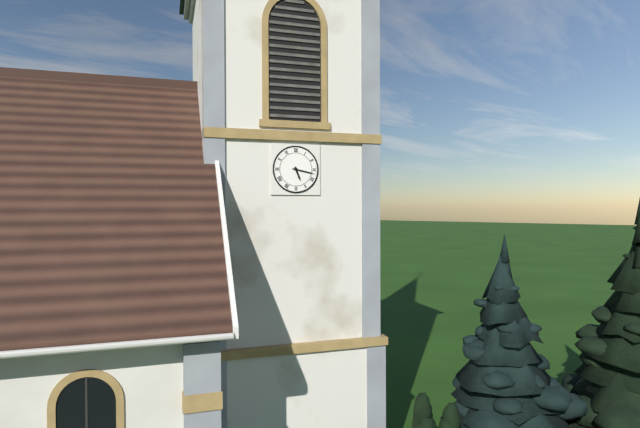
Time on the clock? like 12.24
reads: 5.17
